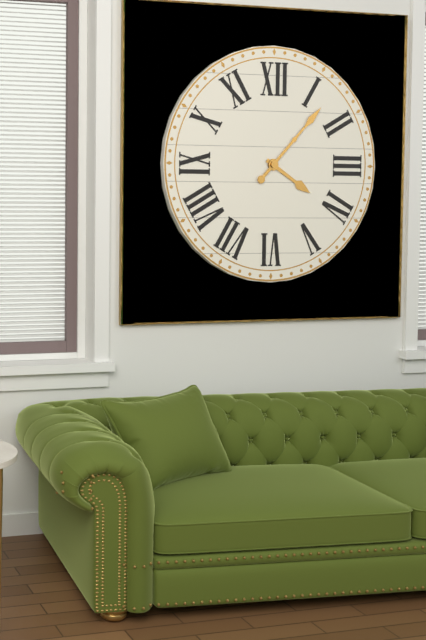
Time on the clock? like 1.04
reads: 4.07
